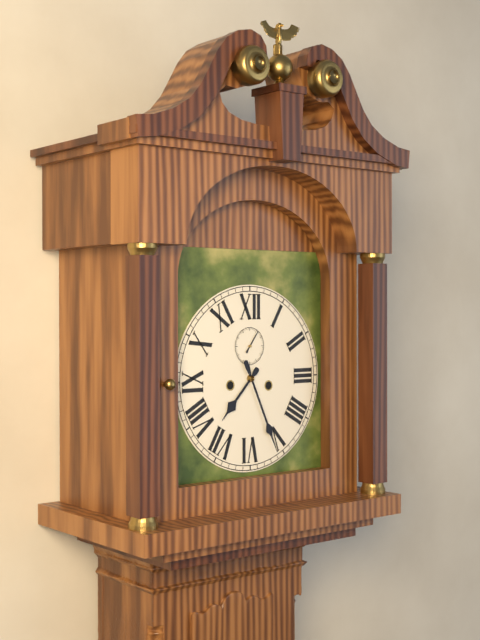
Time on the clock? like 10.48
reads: 7.26
